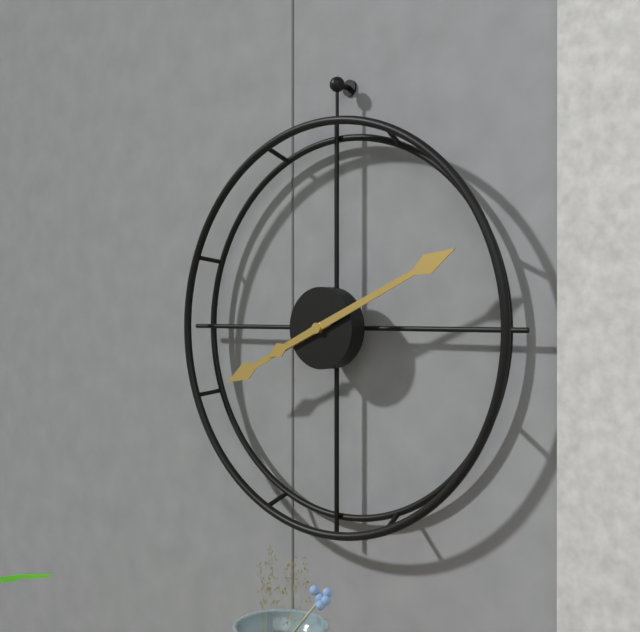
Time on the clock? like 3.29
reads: 8.11
